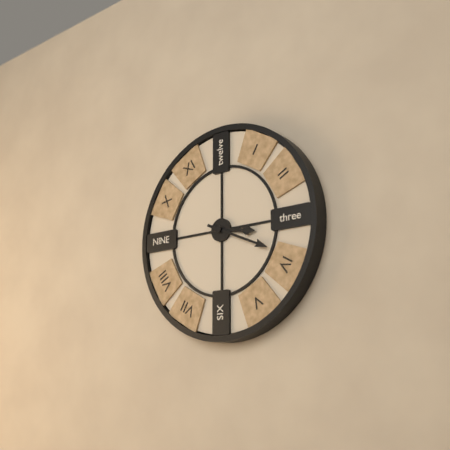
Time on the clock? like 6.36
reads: 3.19
